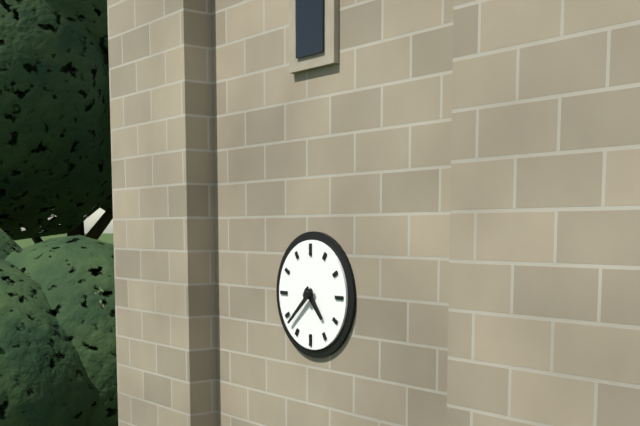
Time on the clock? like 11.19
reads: 4.38
